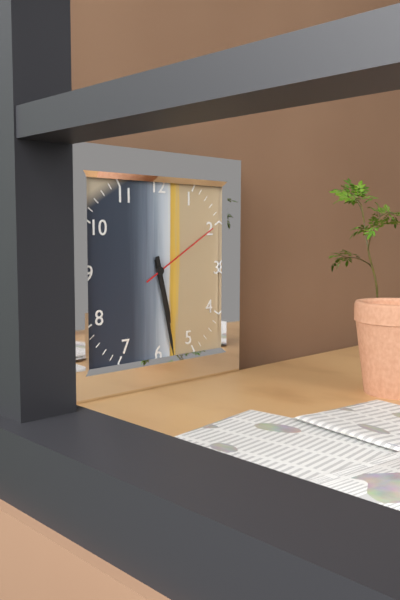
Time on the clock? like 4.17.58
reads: 5.28.10
